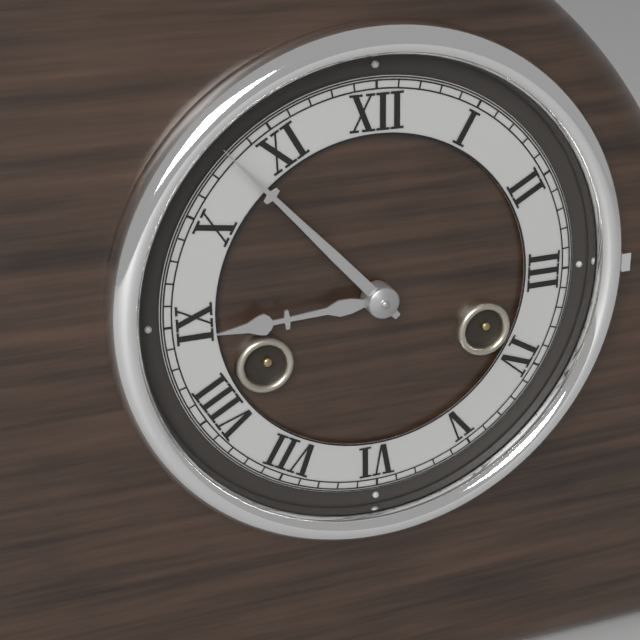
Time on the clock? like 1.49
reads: 8.53
